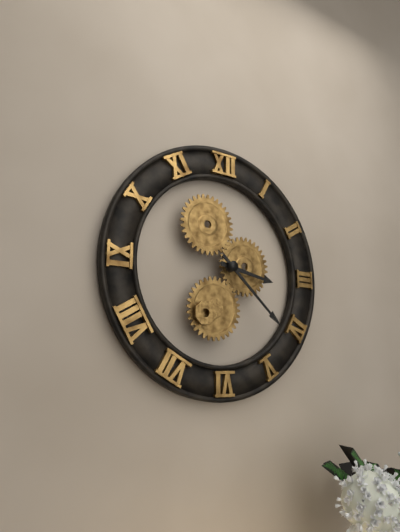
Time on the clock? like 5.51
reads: 3.22
